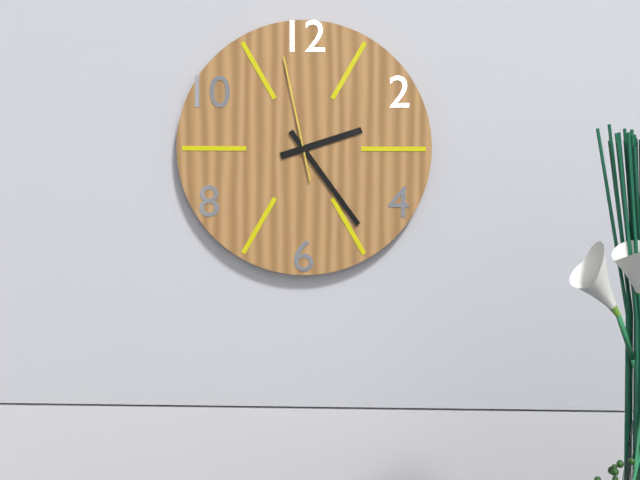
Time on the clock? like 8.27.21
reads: 2.24.58
